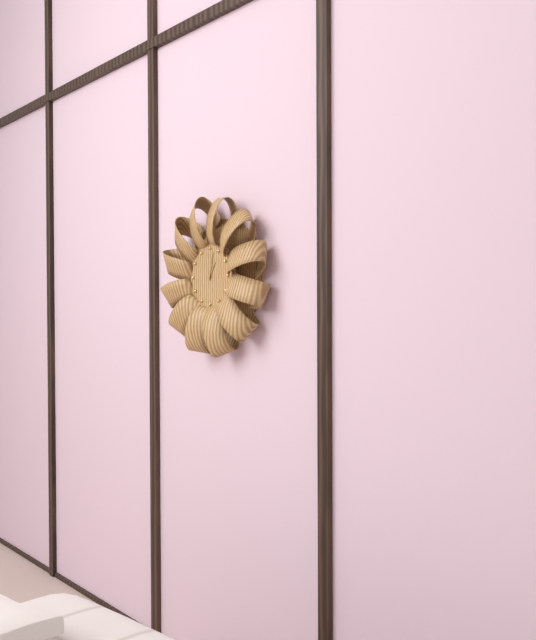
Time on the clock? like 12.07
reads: 1.02
